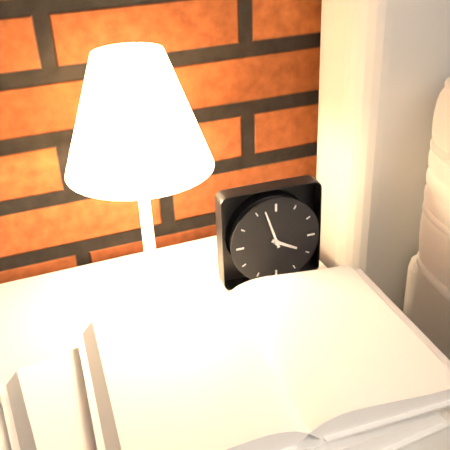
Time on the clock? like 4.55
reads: 3.57
